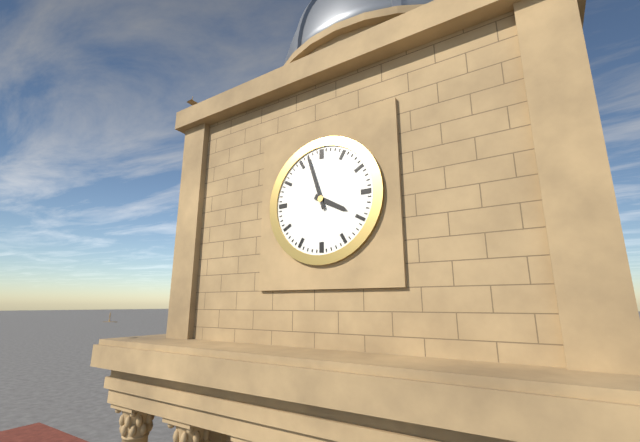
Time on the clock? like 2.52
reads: 3.57
